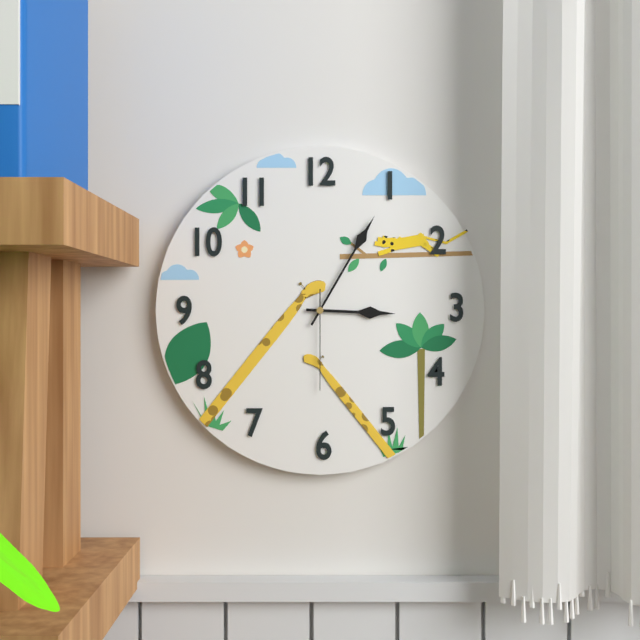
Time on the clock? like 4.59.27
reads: 3.05.30
